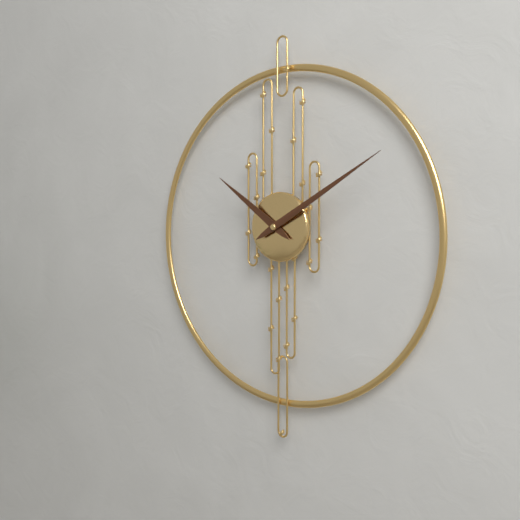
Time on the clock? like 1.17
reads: 10.10
